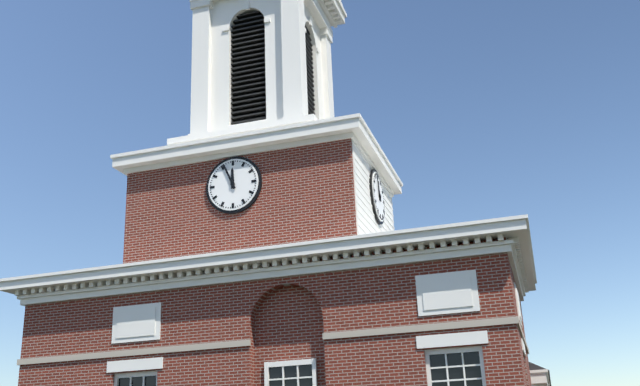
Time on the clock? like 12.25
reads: 11.56
